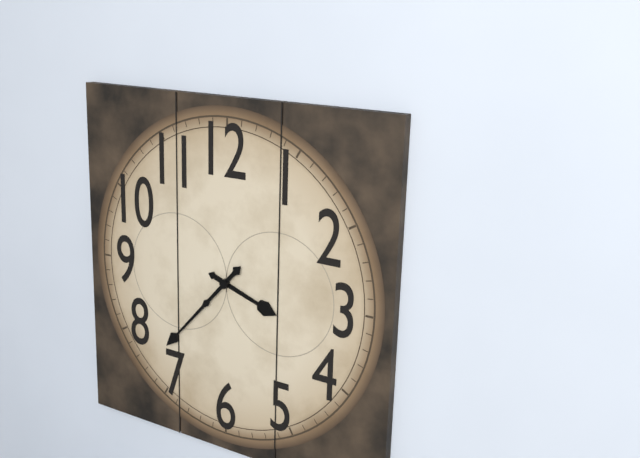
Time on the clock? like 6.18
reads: 3.37
